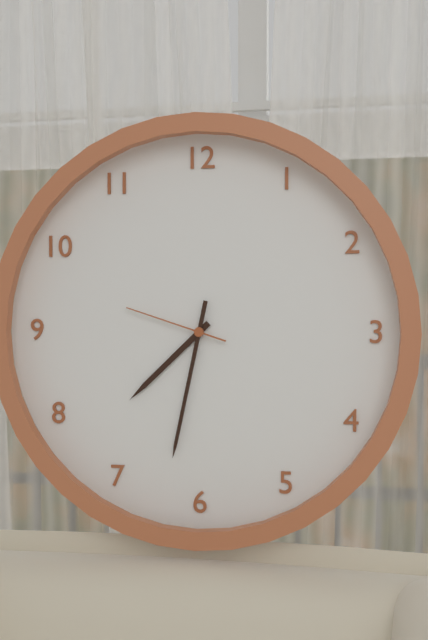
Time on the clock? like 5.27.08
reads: 7.32.48
